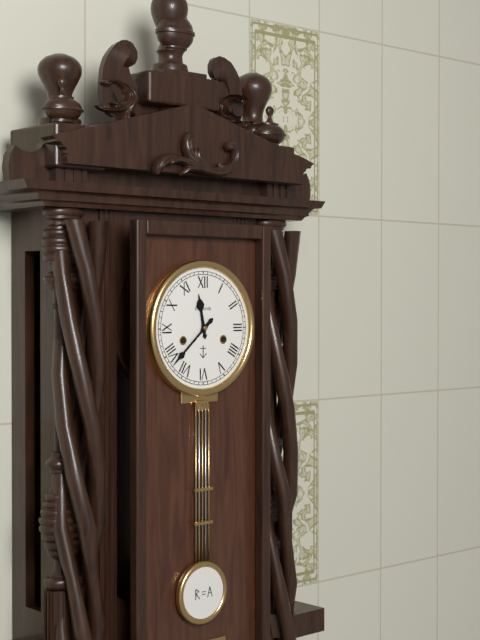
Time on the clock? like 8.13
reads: 11.38
